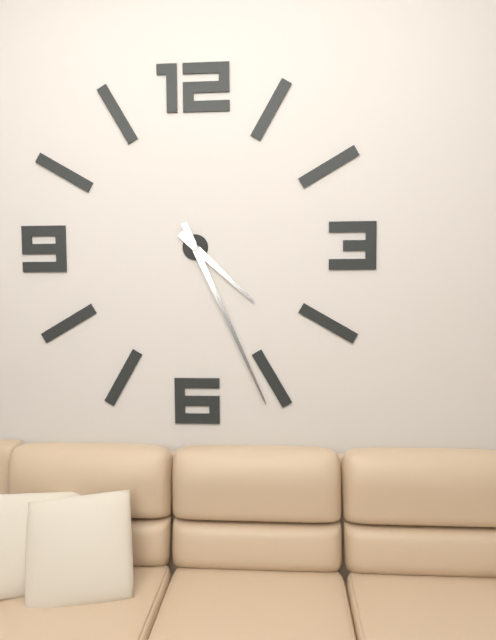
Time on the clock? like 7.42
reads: 4.26
